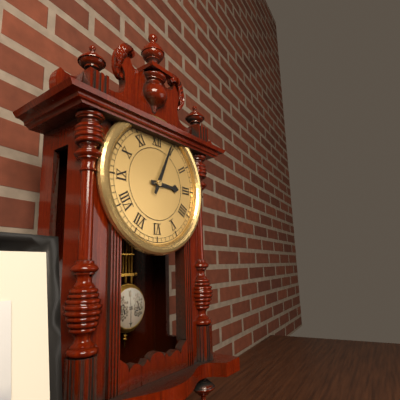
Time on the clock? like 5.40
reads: 3.04
